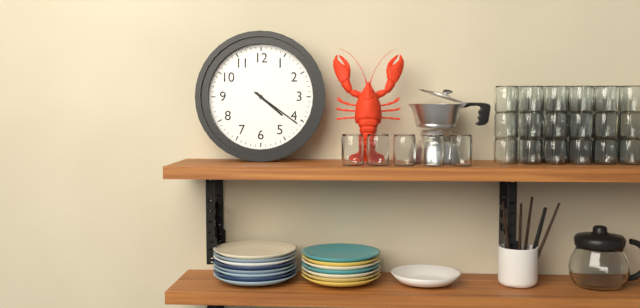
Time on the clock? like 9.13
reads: 4.21
